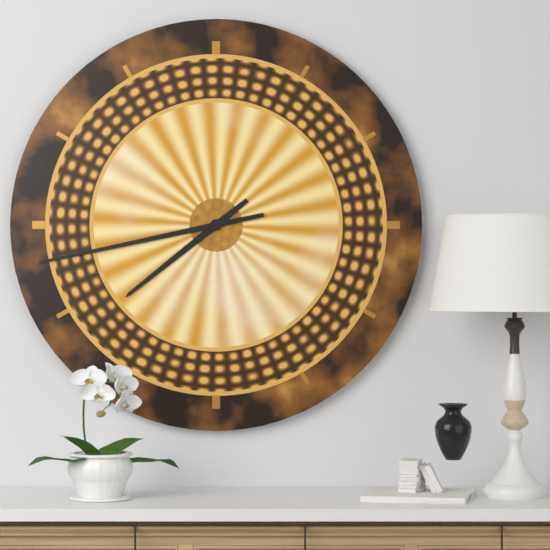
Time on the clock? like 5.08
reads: 7.43
